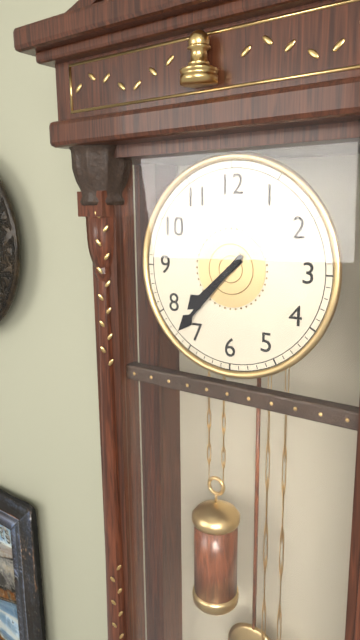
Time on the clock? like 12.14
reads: 7.37
